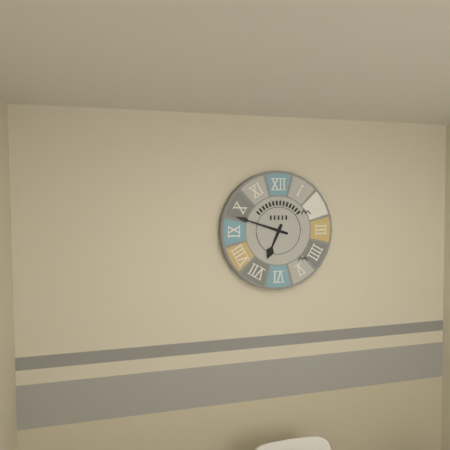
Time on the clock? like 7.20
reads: 6.48
